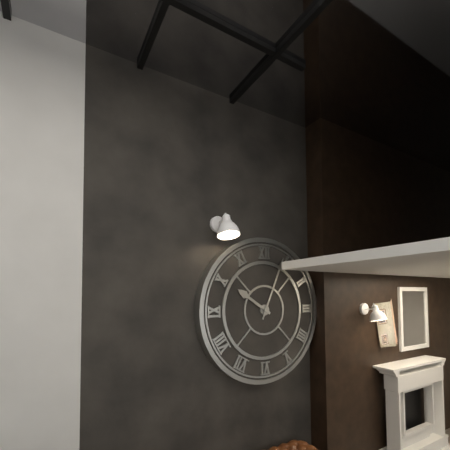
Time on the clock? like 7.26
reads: 10.04
